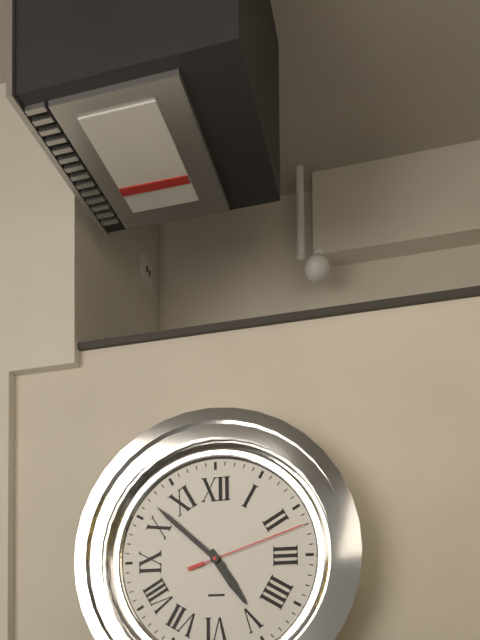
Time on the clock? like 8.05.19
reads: 4.52.12
